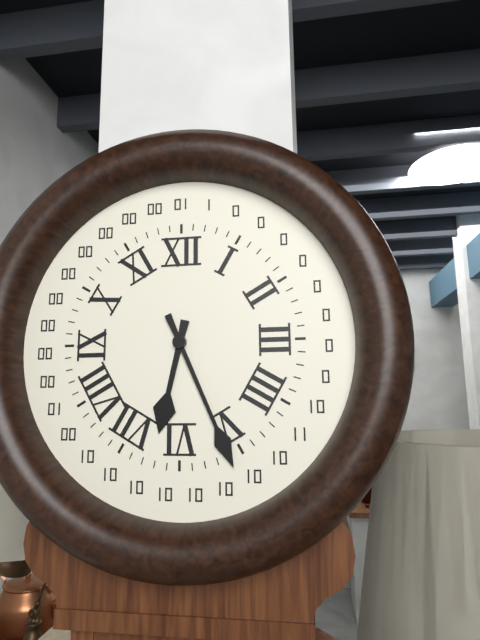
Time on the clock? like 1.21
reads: 6.26
